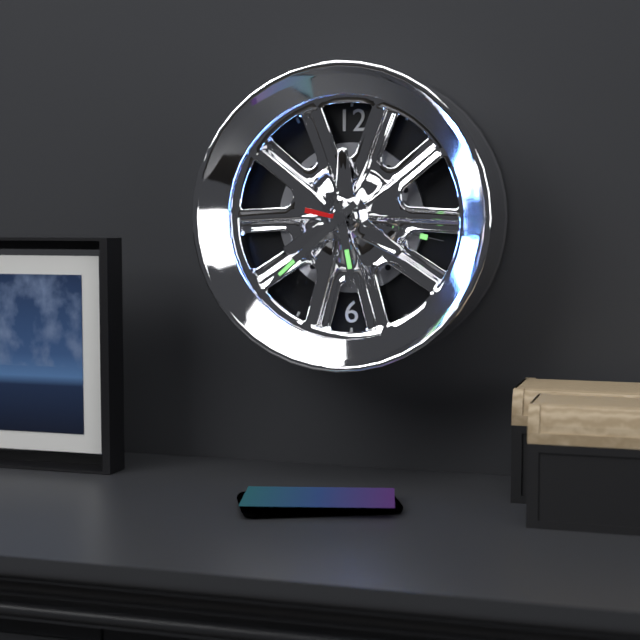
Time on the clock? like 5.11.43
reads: 5.38.17
